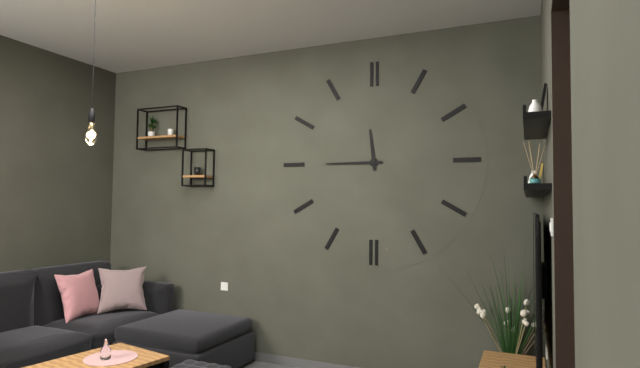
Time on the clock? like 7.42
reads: 11.45
